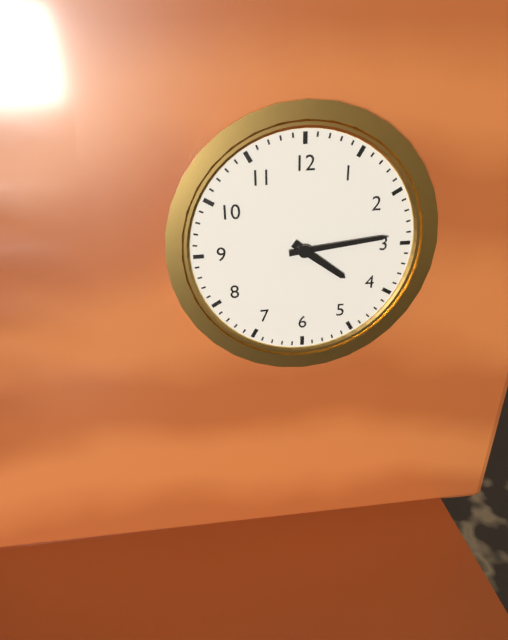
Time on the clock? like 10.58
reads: 4.14
